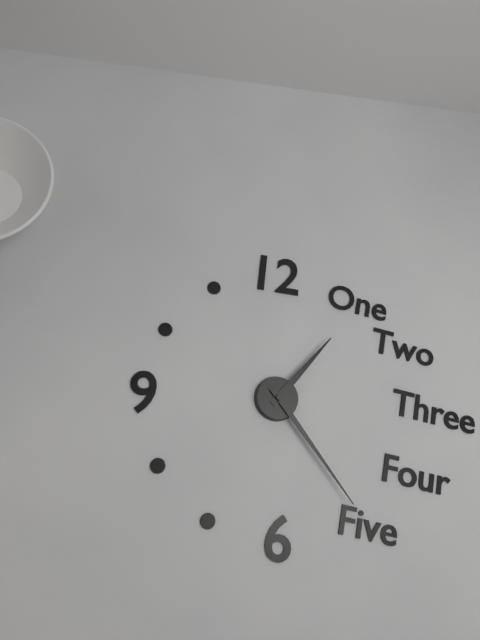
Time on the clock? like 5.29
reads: 1.24
